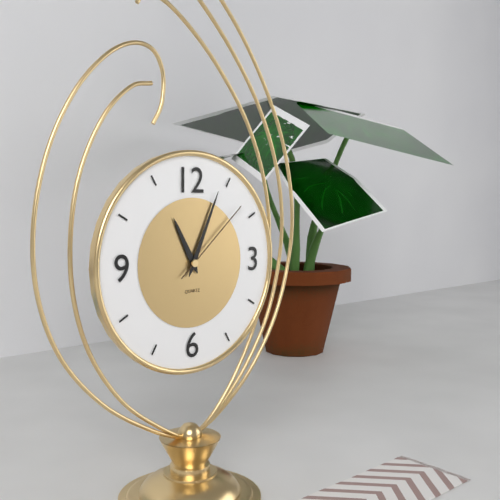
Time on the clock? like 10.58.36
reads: 11.04.08
